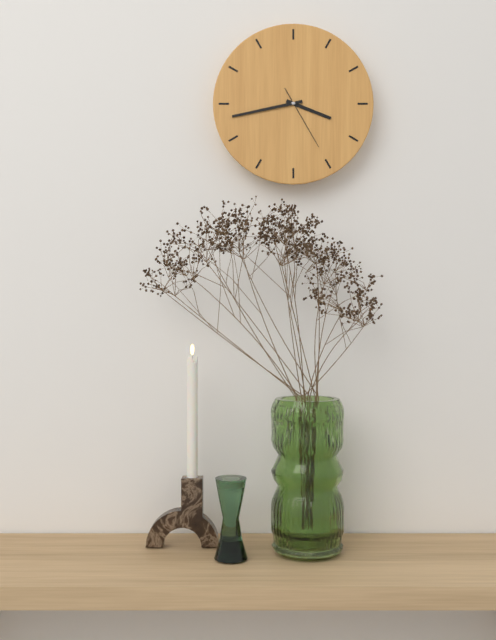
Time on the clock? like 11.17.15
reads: 3.43.25
